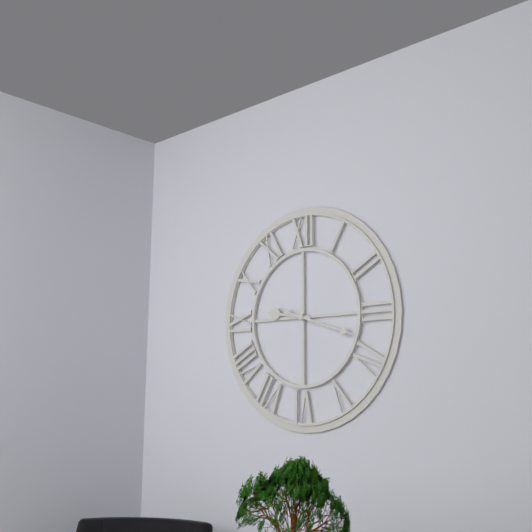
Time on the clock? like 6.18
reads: 9.18
